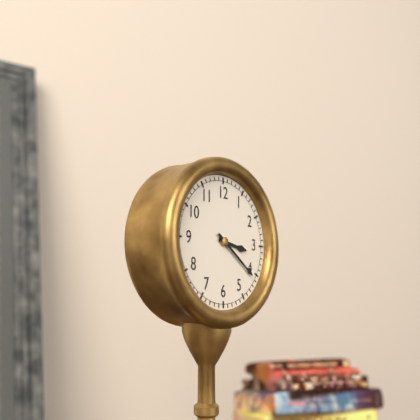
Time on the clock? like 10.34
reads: 3.21
